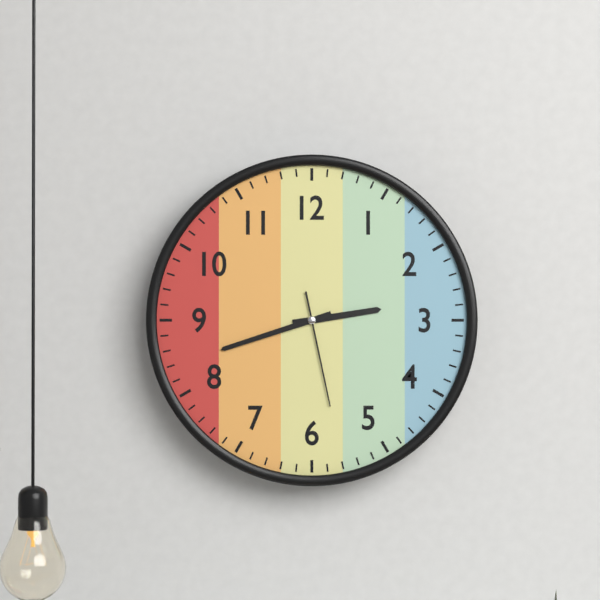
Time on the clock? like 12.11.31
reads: 2.42.28
